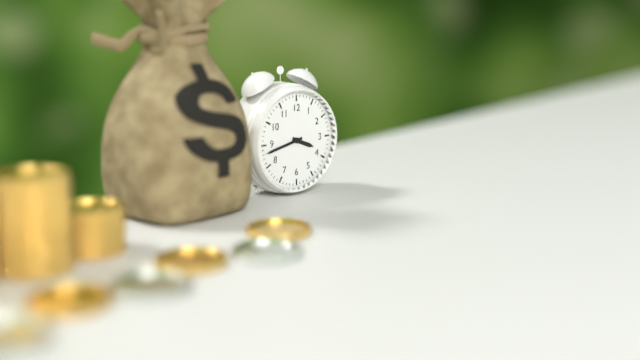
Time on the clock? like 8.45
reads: 3.43
